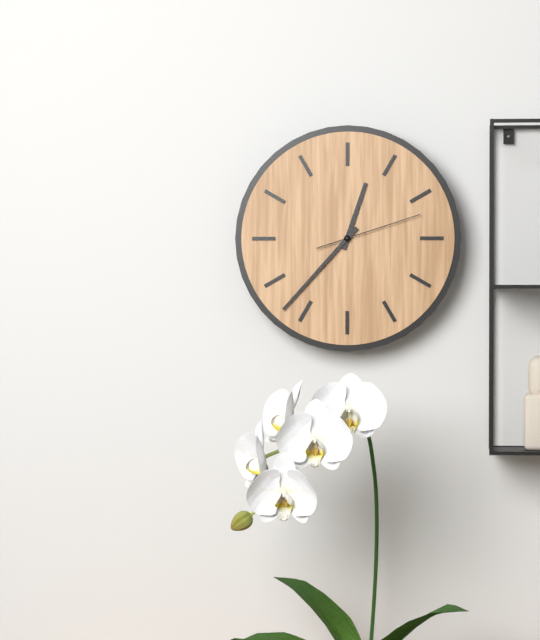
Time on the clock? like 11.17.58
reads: 12.37.12
